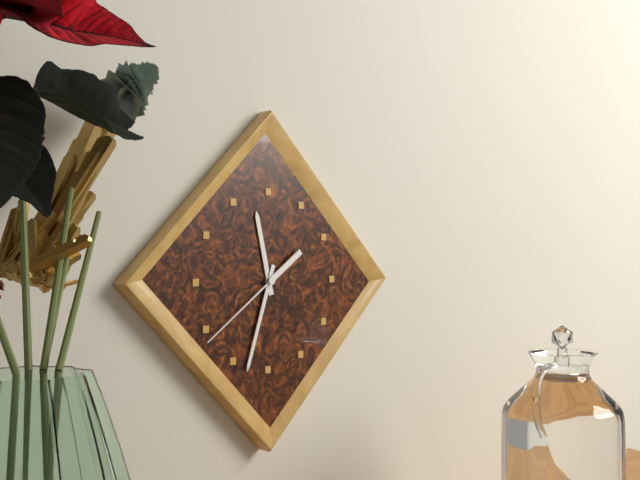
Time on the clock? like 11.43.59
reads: 11.33.39
